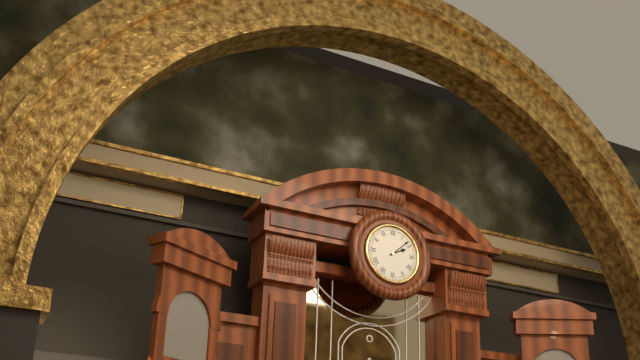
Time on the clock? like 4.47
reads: 2.08
